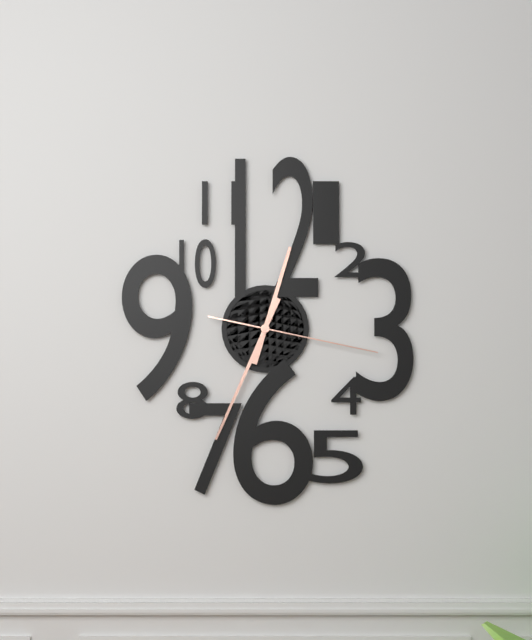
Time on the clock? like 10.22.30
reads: 12.34.17
